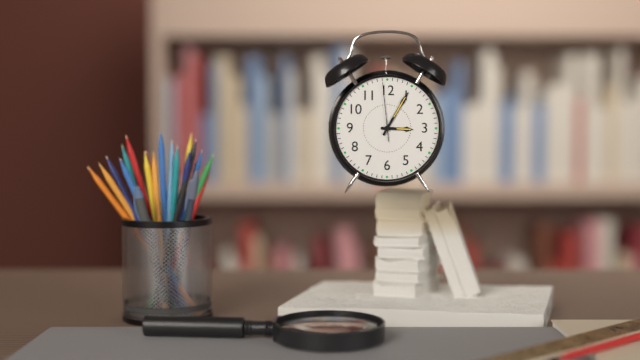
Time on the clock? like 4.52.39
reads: 3.05.59
